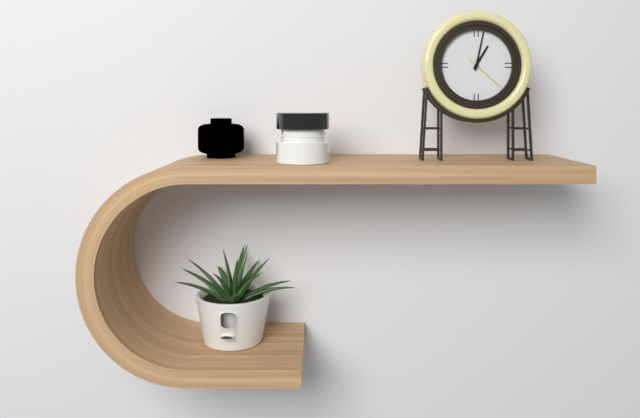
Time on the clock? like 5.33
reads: 1.02
